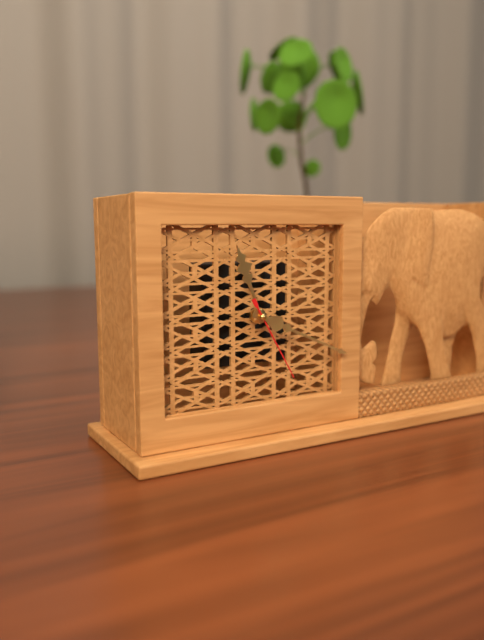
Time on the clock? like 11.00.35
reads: 11.19.25
